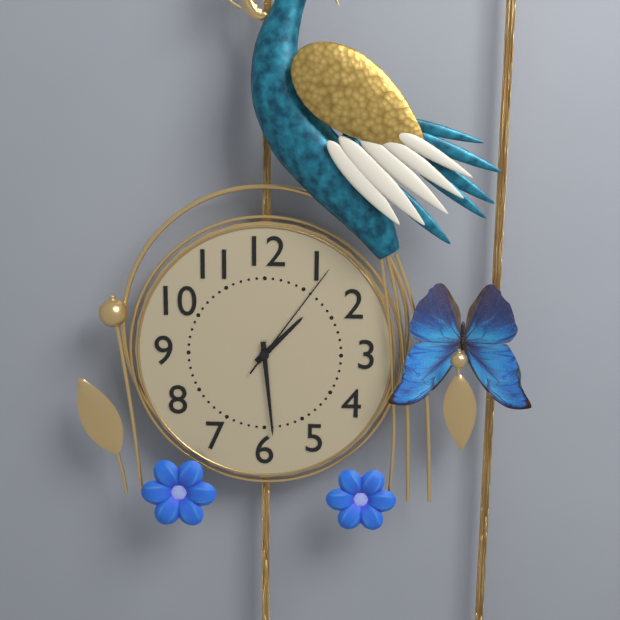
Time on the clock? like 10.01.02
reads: 1.29.06
